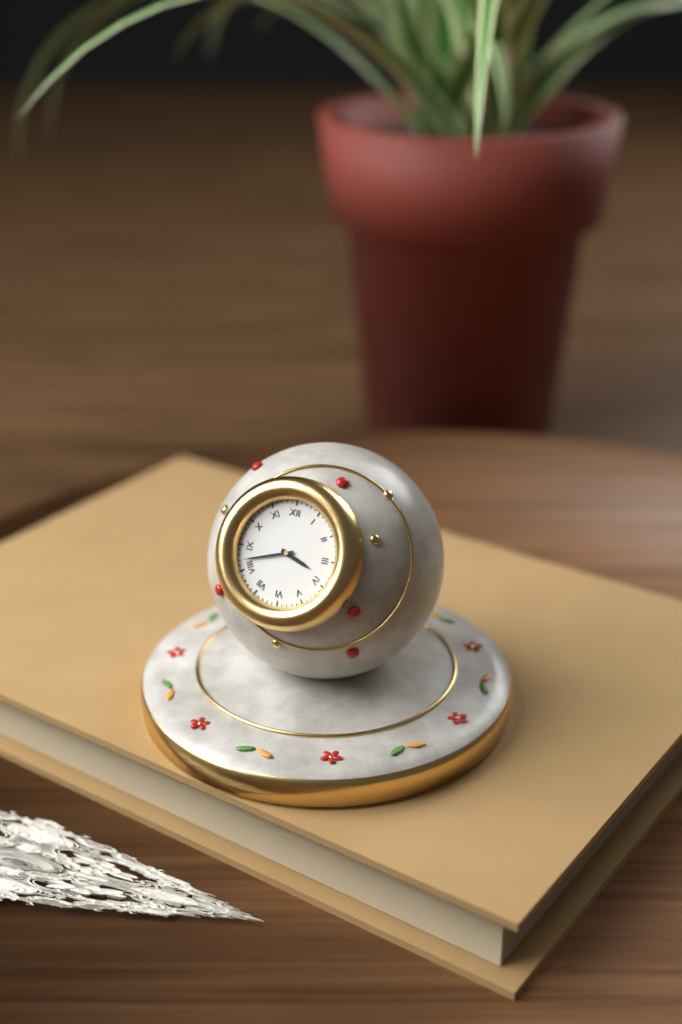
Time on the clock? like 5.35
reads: 3.42
